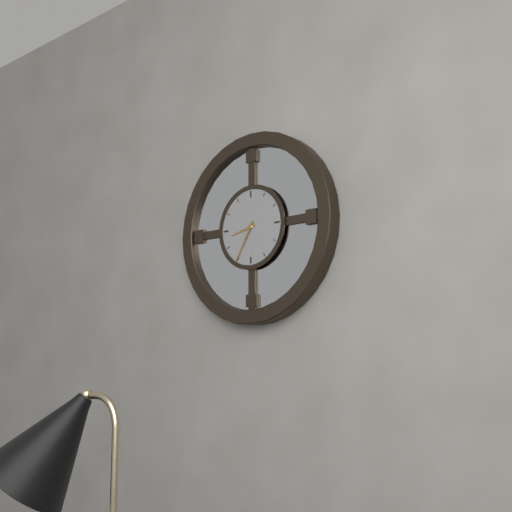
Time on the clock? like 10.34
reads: 8.35
